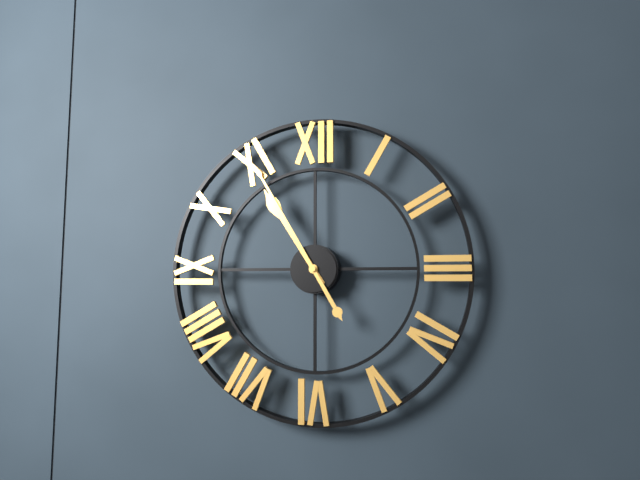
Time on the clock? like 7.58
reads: 10.55
